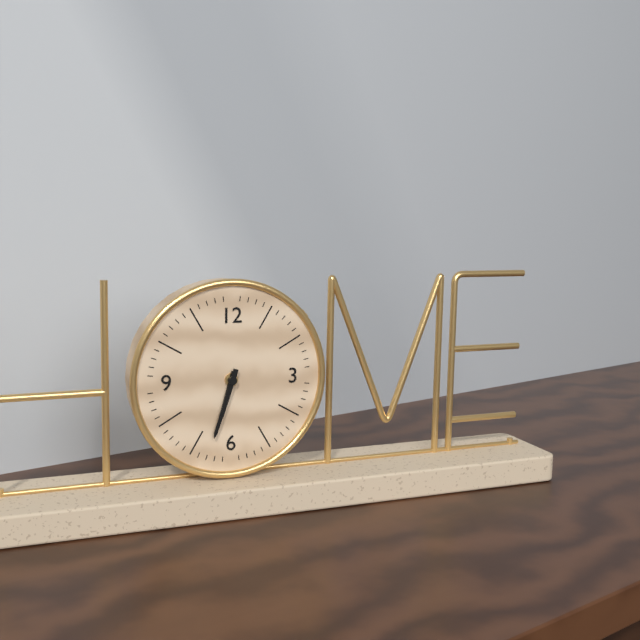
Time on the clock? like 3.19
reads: 6.33
